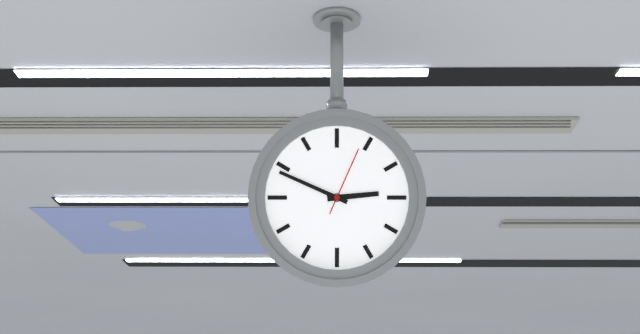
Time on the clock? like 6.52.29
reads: 2.49.04
